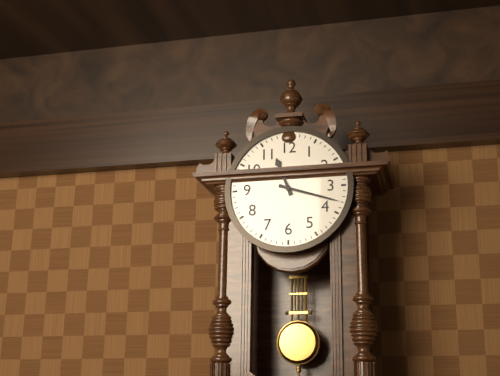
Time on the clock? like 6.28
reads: 11.18
